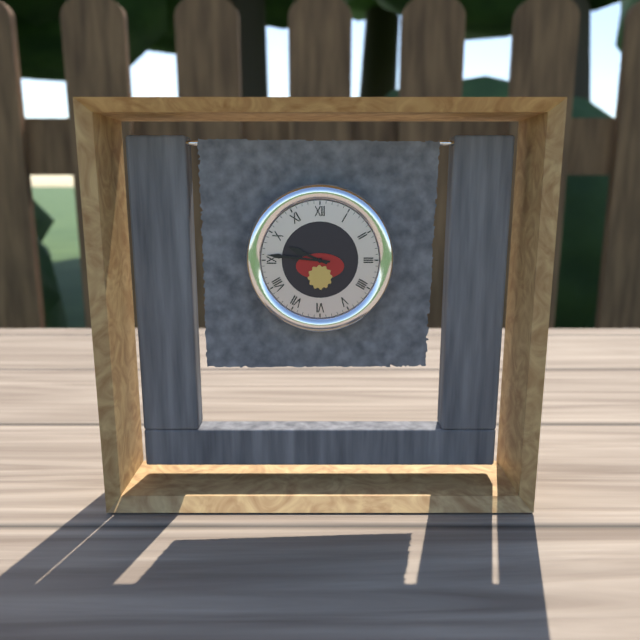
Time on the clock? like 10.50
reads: 9.46
